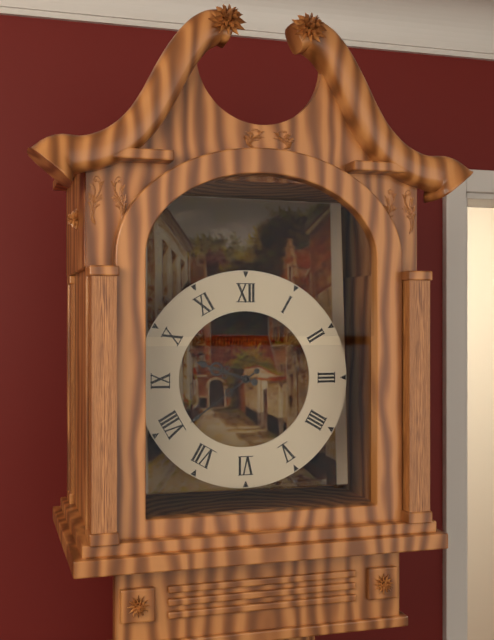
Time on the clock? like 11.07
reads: 9.39
